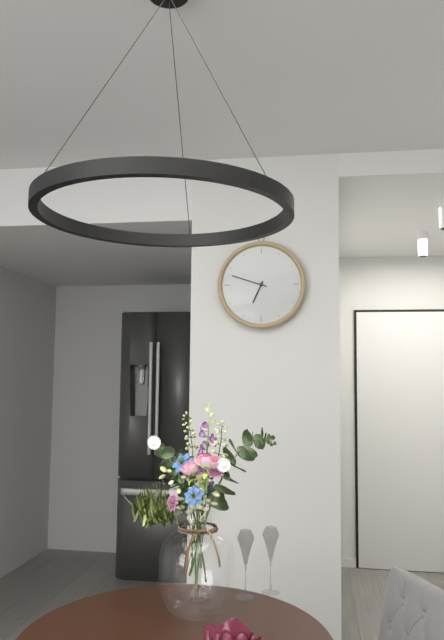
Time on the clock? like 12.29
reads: 6.48
